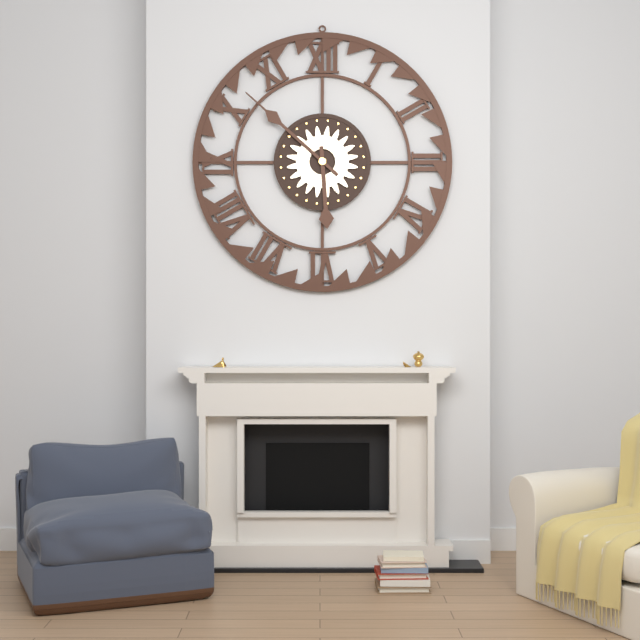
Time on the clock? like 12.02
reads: 5.52
